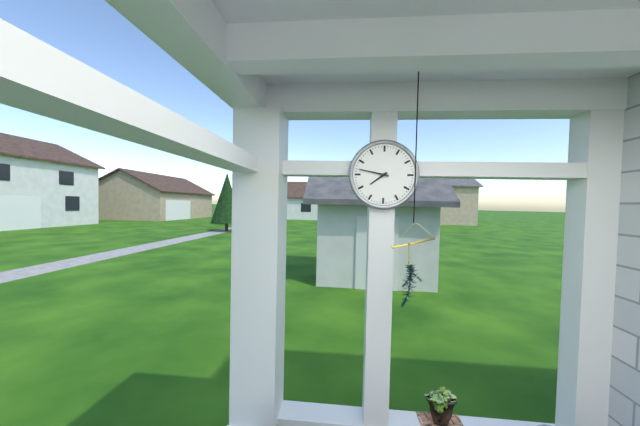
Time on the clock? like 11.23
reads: 7.47
